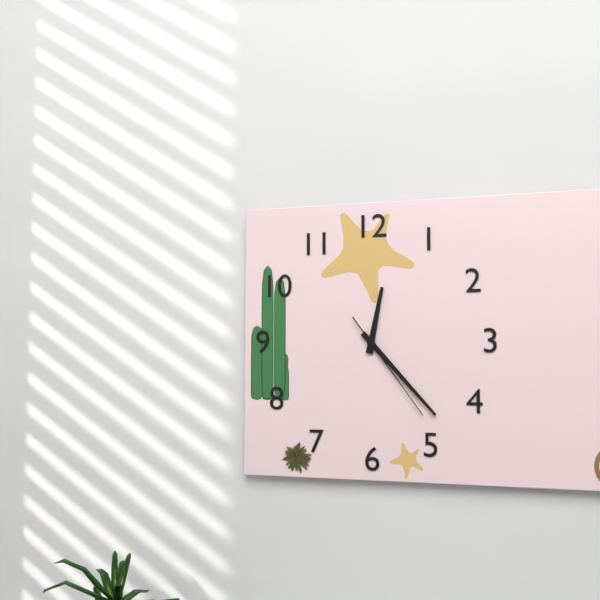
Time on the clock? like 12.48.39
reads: 12.23.24
